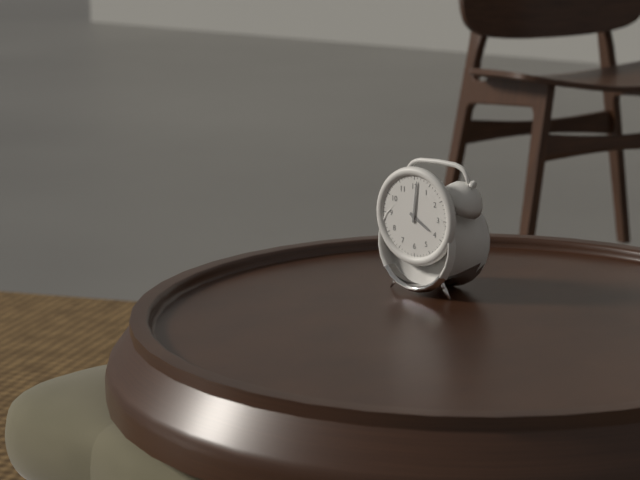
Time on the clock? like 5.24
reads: 4.01
